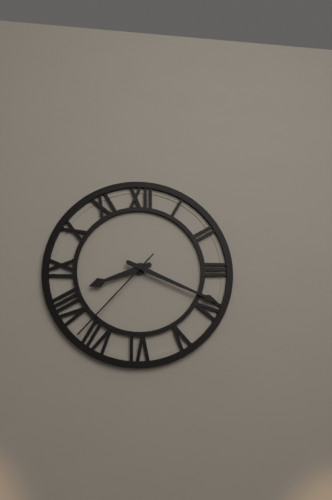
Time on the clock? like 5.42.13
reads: 8.19.37
